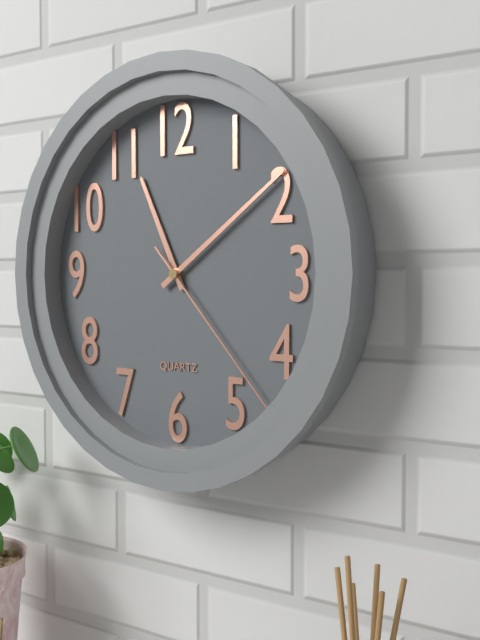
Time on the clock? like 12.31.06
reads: 11.09.23
